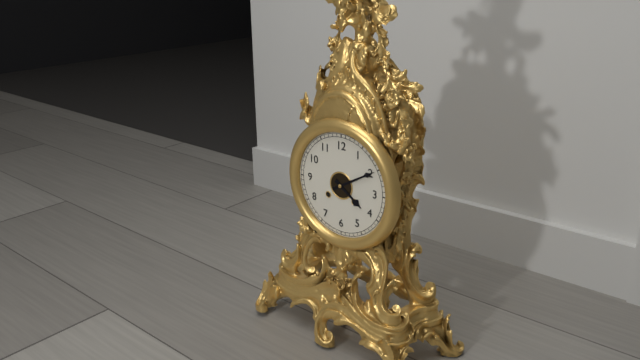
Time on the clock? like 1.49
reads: 4.10
